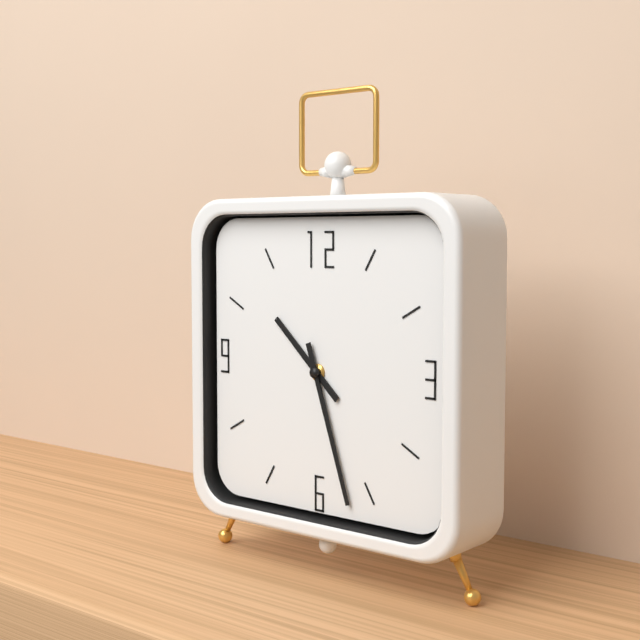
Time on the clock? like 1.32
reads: 10.27
